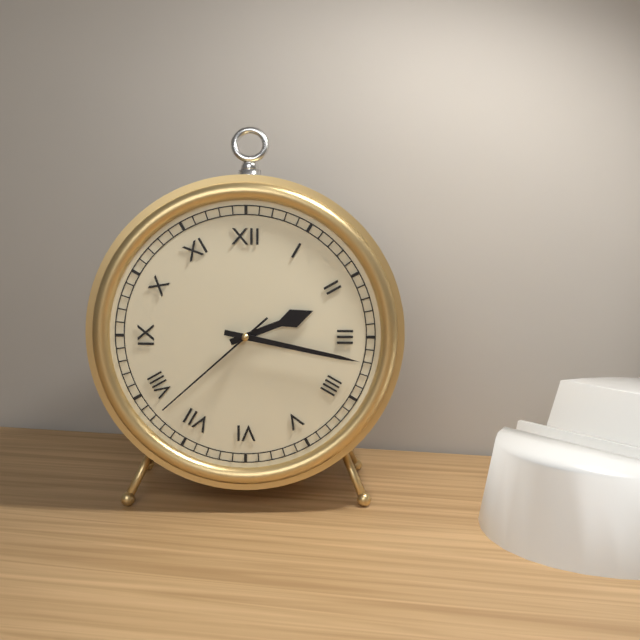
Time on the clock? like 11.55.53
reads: 2.17.38
